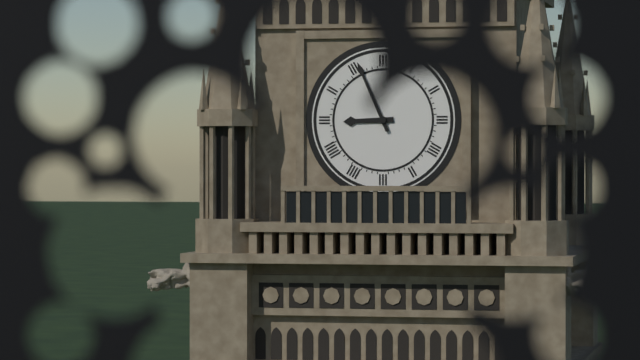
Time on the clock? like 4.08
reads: 8.56
